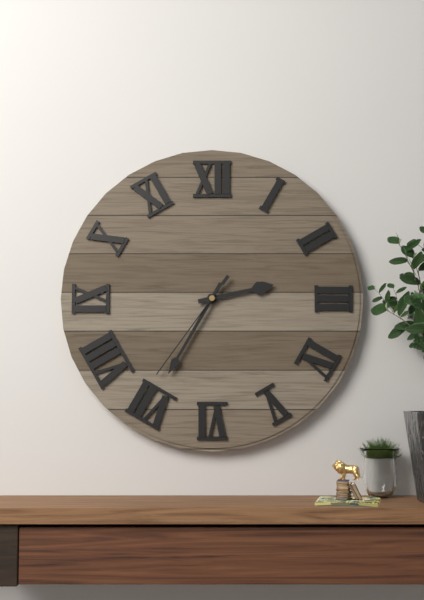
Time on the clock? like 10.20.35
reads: 2.35.36
